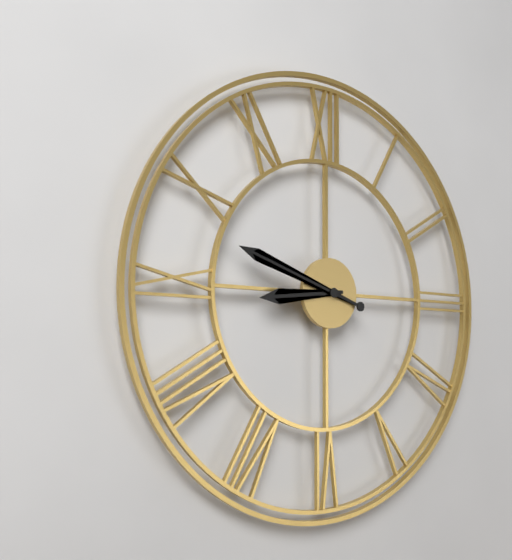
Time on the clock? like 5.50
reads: 8.48
